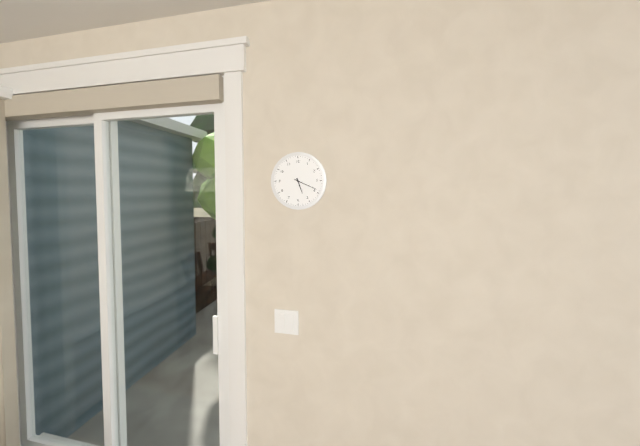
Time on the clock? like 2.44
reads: 5.19
